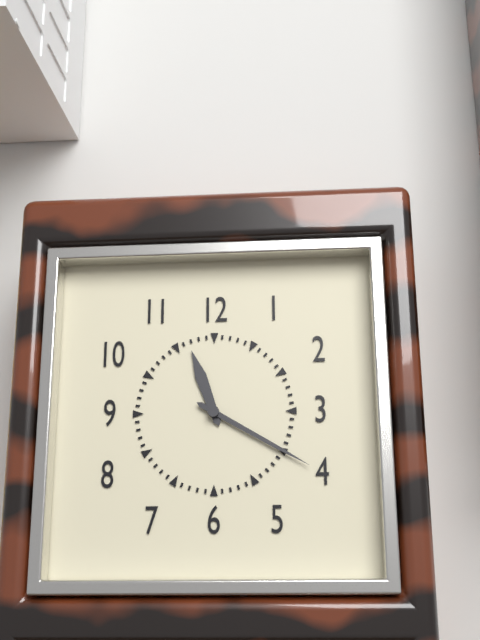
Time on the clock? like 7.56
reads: 11.20
